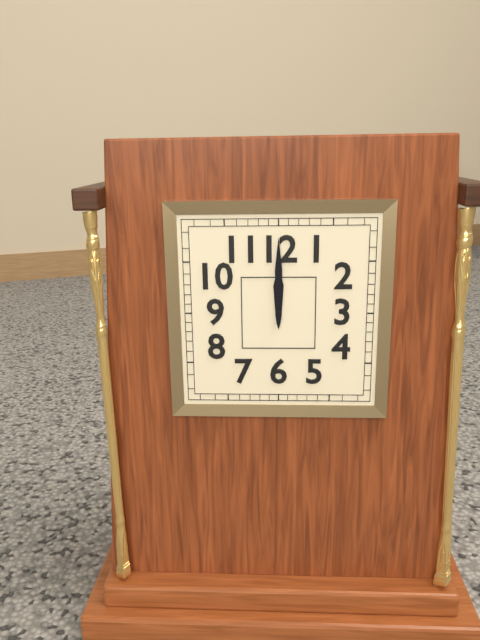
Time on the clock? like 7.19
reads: 12.00
